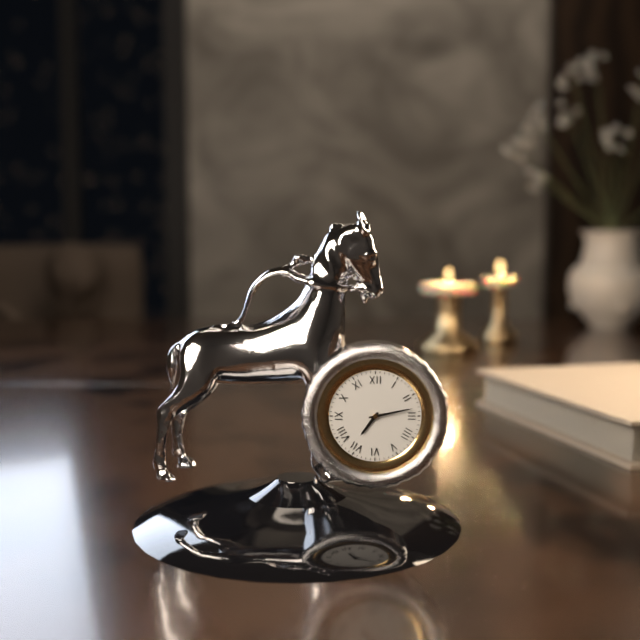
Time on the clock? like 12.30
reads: 7.13
